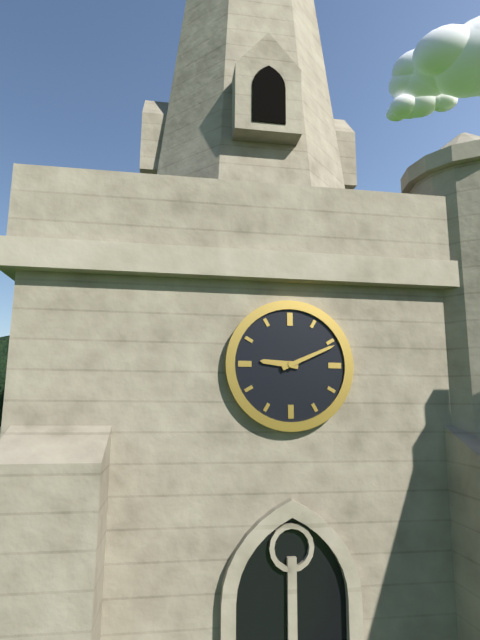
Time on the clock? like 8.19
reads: 9.11
